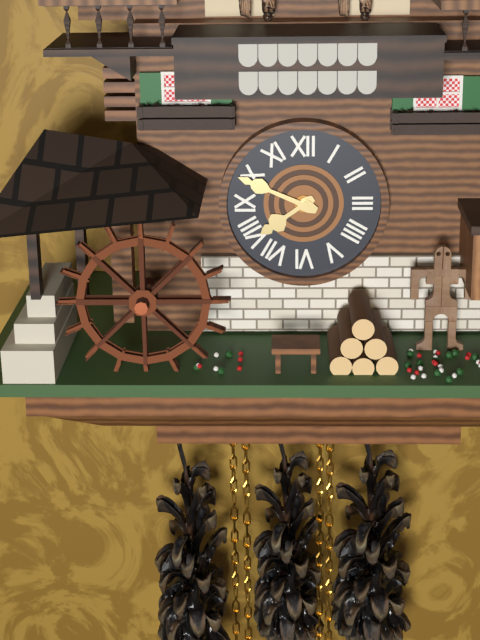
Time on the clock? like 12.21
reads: 7.49
